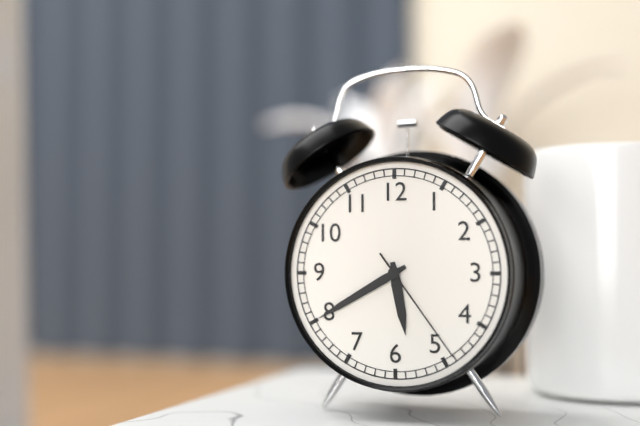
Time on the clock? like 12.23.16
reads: 5.40.24
